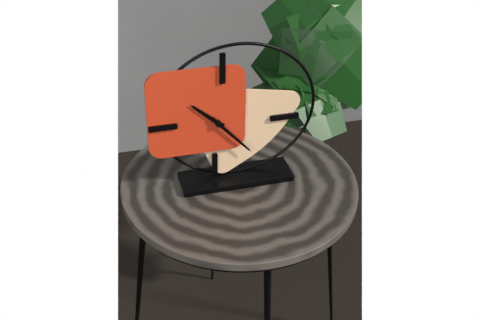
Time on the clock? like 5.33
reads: 10.23
